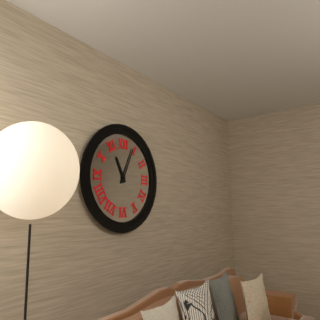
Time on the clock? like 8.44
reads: 11.04
